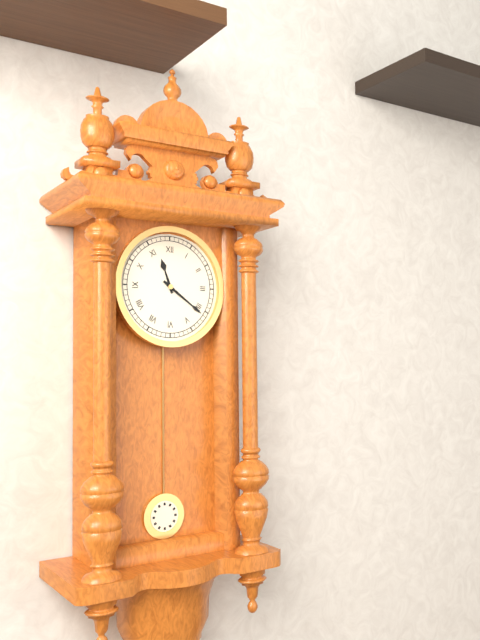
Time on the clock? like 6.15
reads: 11.21
